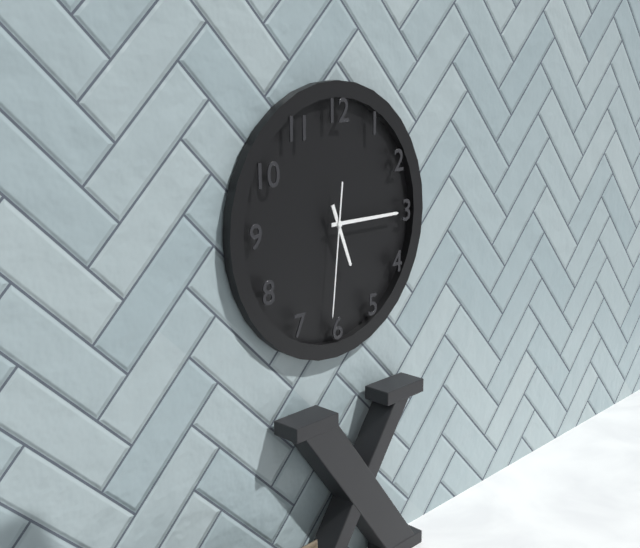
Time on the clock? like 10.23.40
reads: 5.15.31
